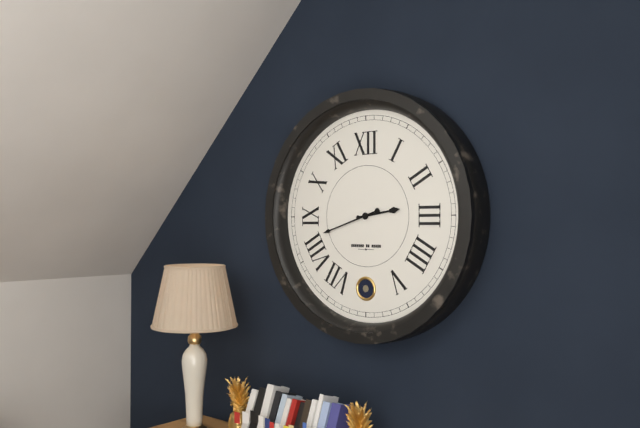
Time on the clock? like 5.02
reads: 2.42
